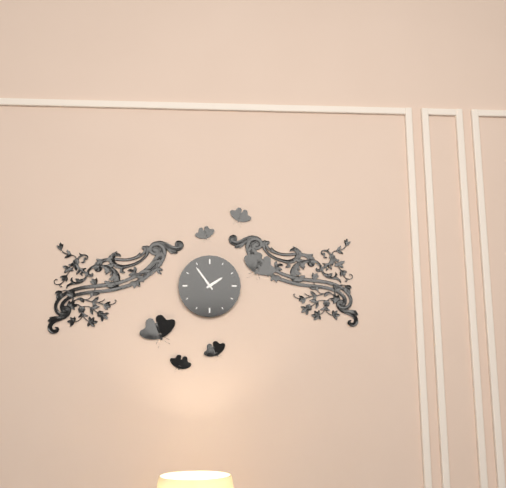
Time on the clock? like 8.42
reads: 1.54
